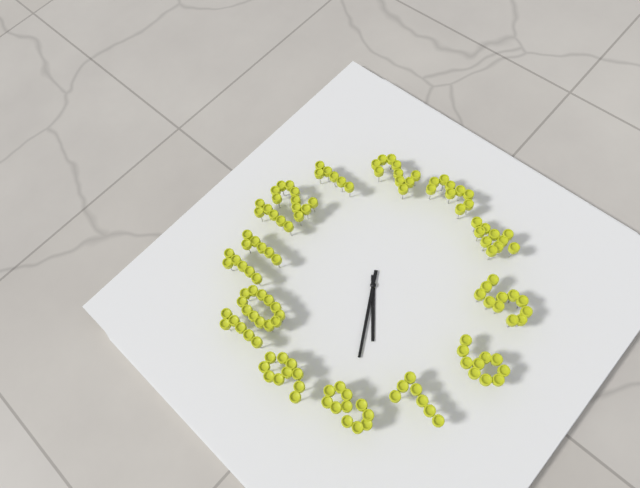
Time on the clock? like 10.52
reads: 7.40
